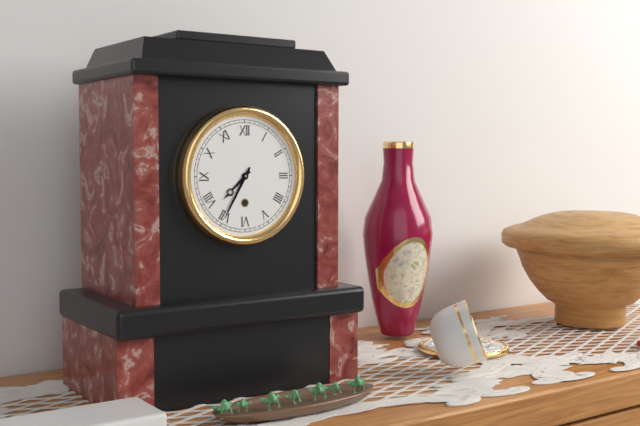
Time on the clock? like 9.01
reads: 7.35
